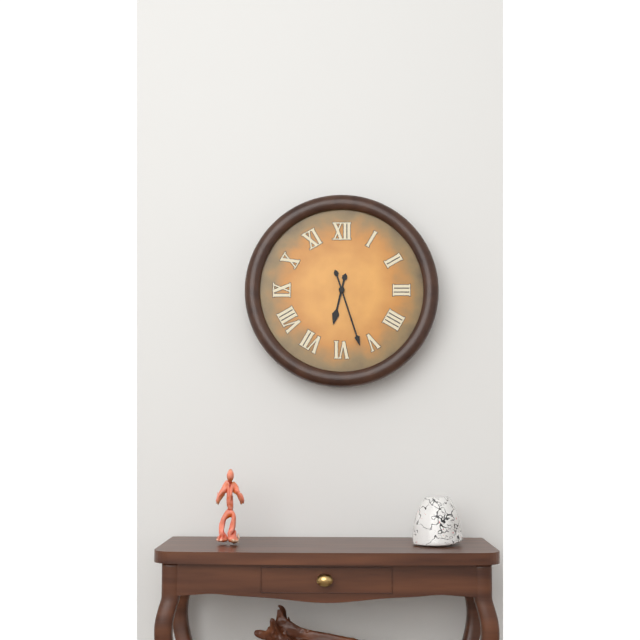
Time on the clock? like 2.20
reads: 6.27
